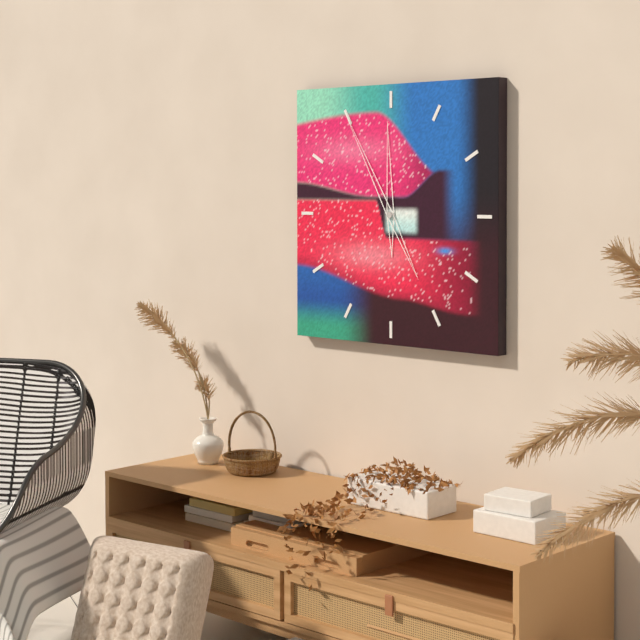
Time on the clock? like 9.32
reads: 11.55
